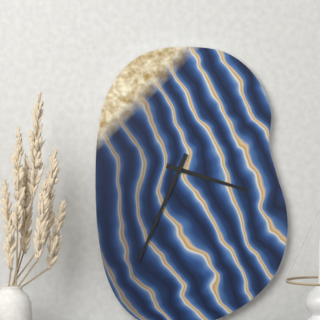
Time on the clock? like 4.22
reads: 3.34
